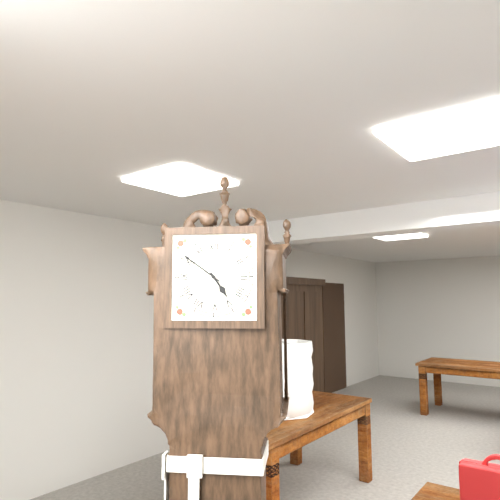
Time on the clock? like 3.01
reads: 4.51
